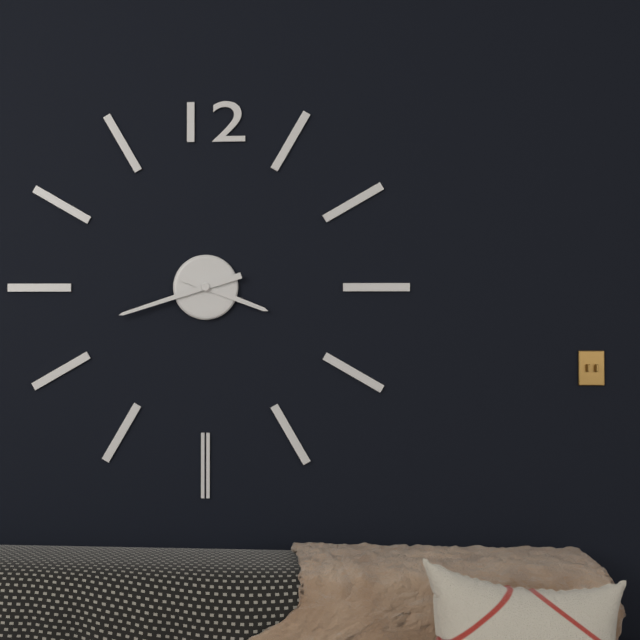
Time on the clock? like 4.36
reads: 3.42
